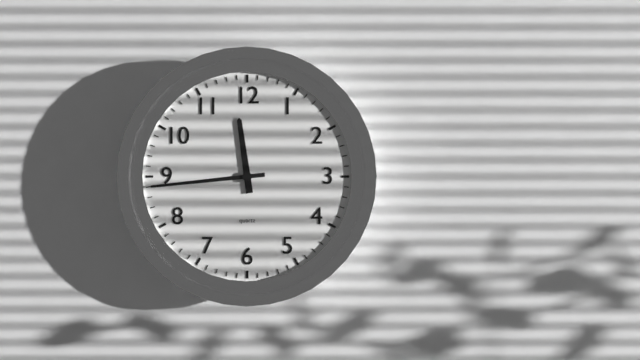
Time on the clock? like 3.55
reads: 11.44
